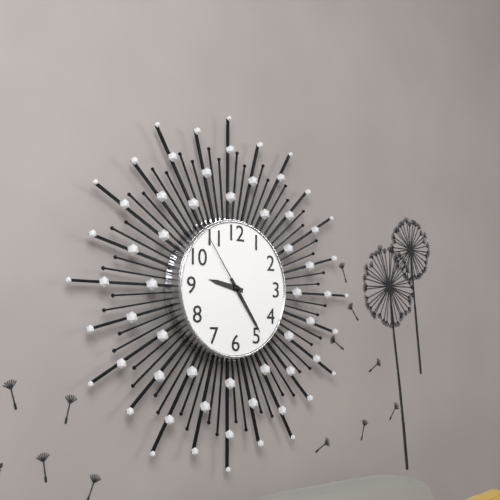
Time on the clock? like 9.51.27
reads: 9.24.54
